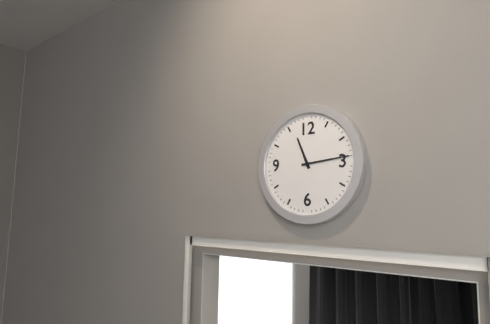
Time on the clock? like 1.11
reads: 11.14
